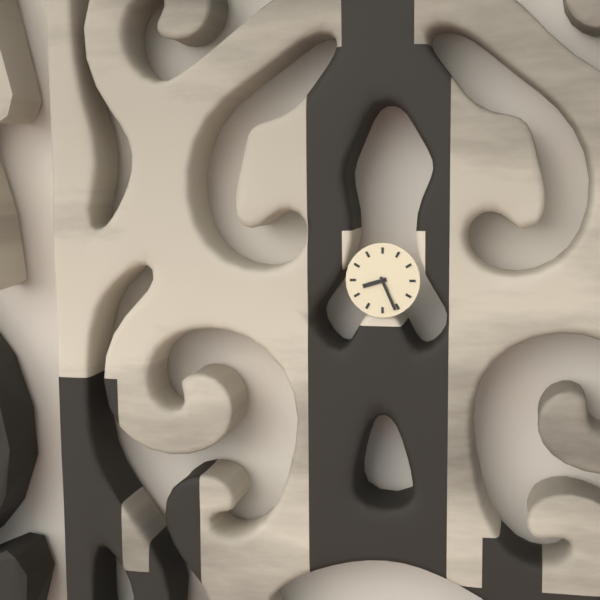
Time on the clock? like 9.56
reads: 8.26
